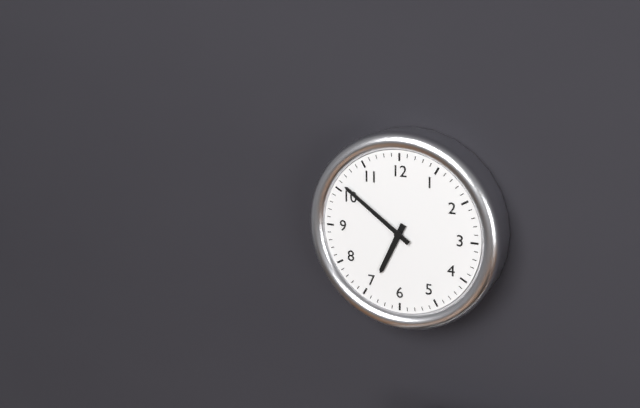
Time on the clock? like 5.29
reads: 6.51
